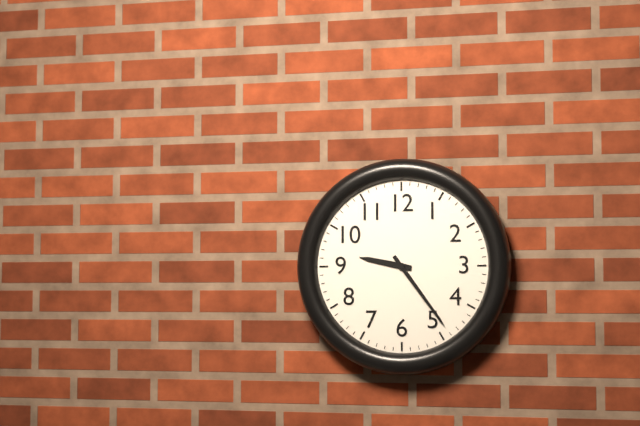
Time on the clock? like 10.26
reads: 9.24
